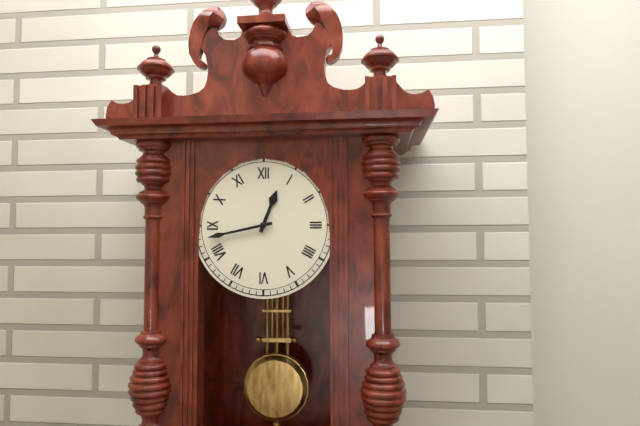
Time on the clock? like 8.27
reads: 12.43
